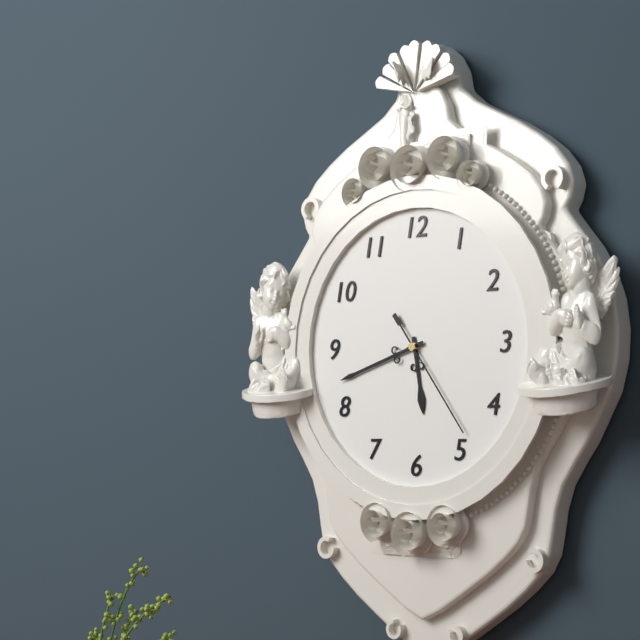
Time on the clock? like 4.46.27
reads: 5.42.24
